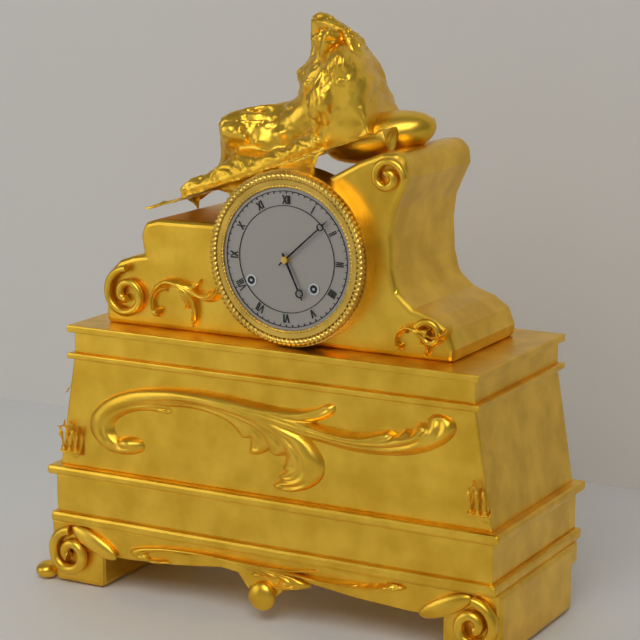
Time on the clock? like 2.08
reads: 5.08
